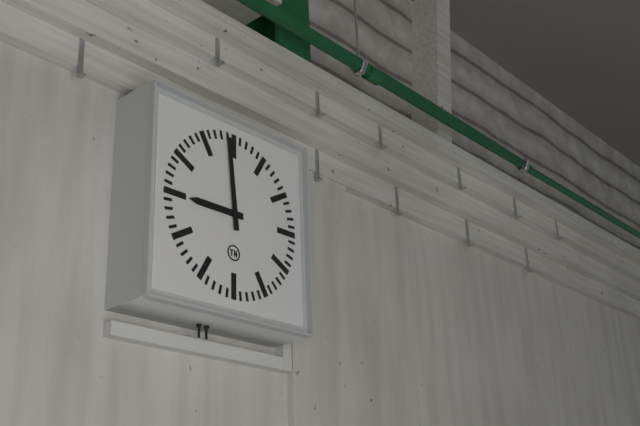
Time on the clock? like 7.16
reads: 8.59
